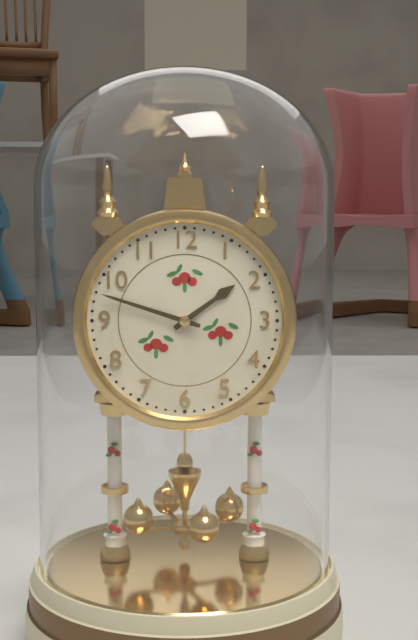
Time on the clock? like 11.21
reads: 1.48
